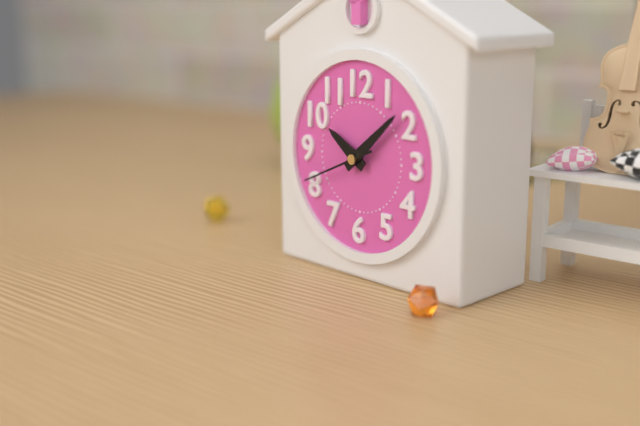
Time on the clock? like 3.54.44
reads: 10.08.41
